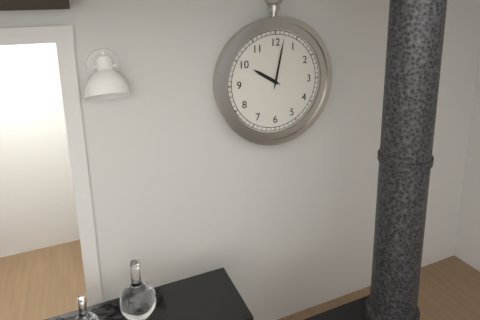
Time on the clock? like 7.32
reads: 10.02
